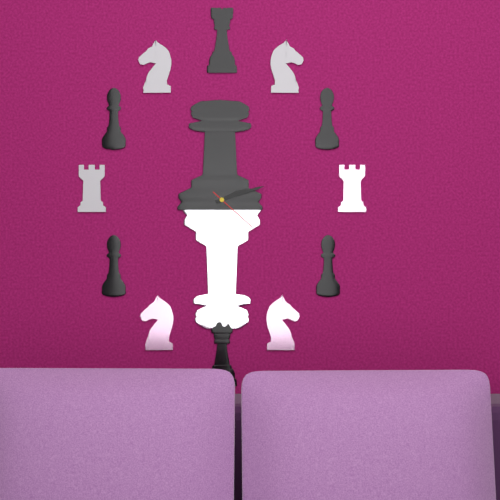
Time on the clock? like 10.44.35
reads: 2.12.22
